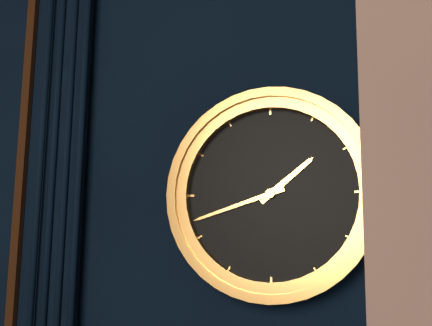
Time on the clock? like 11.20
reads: 1.42
